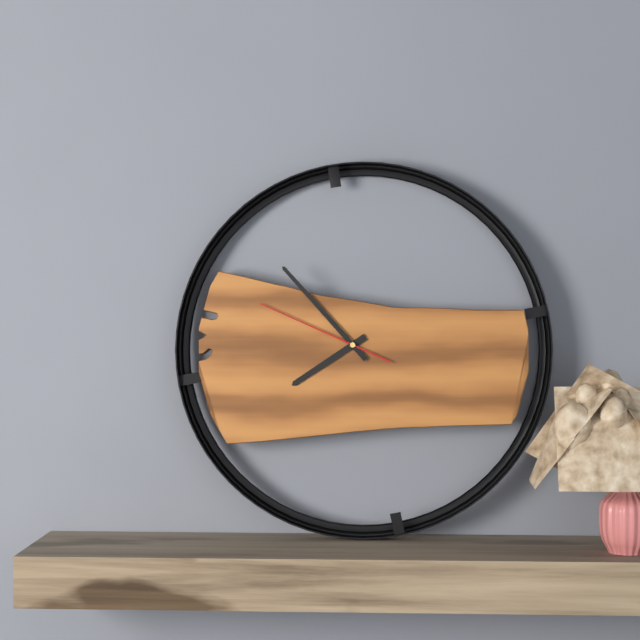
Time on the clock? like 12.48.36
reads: 7.53.49
